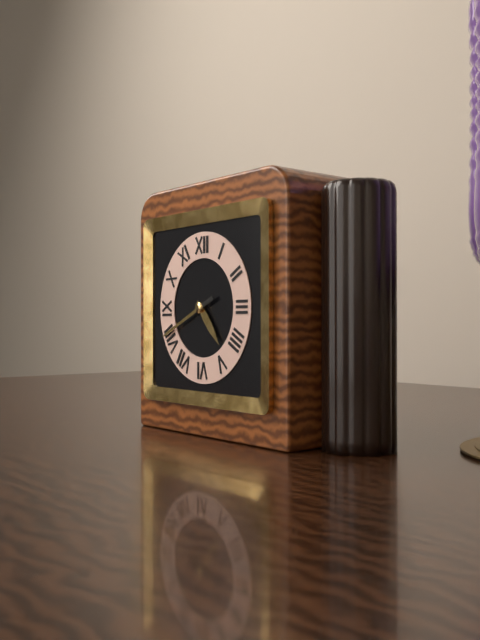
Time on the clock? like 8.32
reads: 4.41
